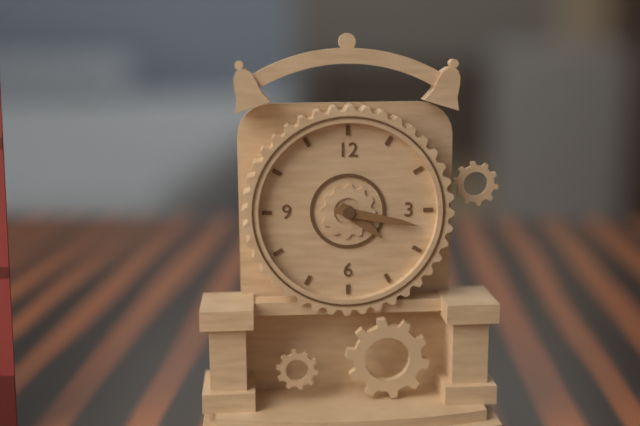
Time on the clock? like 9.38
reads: 4.17
